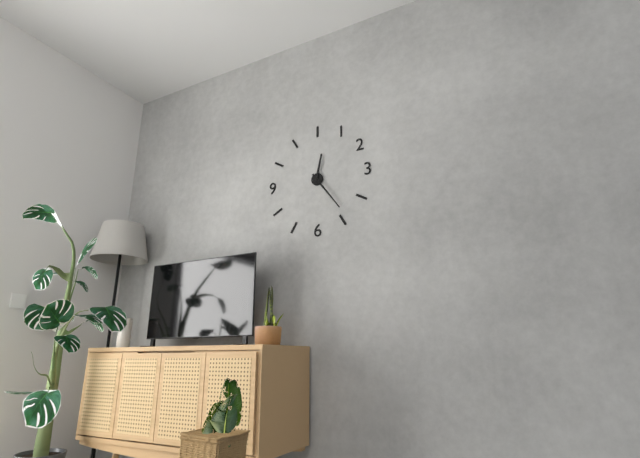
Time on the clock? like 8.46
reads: 12.24
